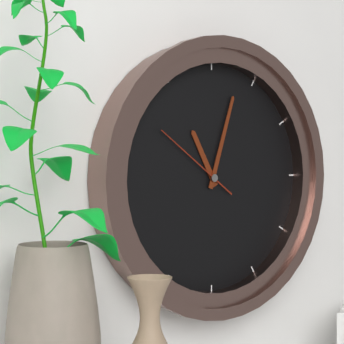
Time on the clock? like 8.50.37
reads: 11.03.51
